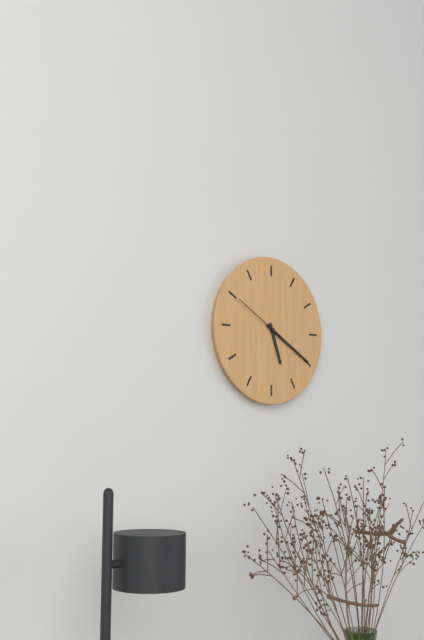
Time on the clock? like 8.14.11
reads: 5.20.50
